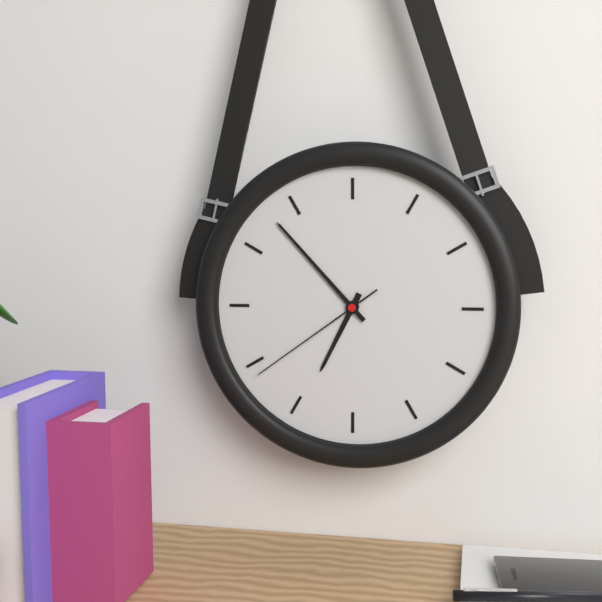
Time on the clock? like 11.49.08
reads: 6.53.39
